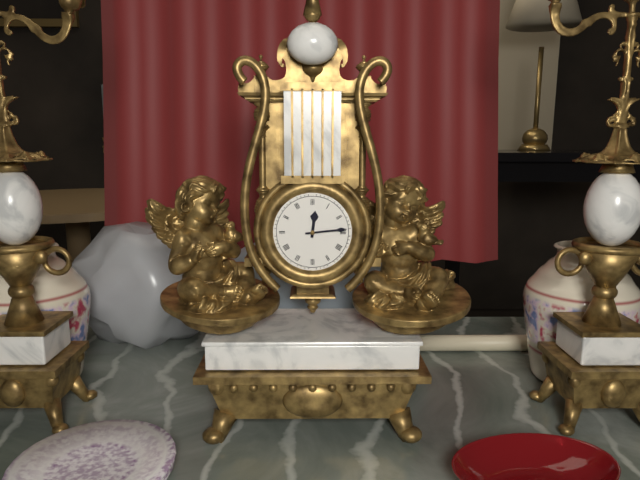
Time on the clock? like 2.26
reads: 12.14
